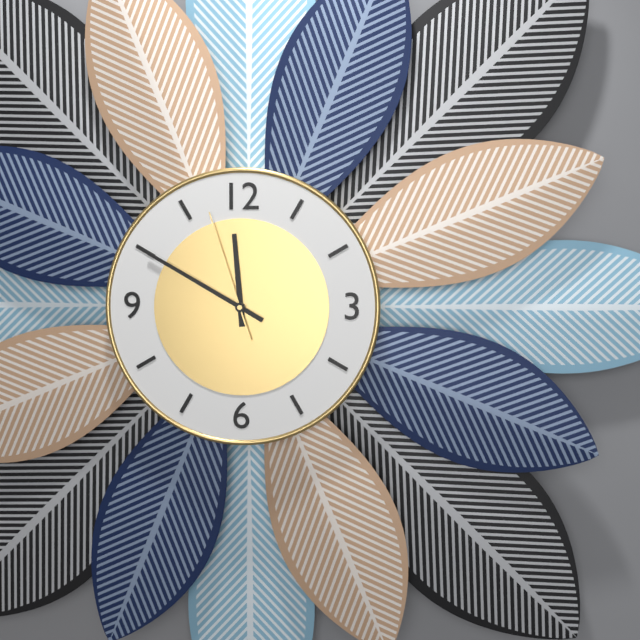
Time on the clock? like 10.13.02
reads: 11.50.57
